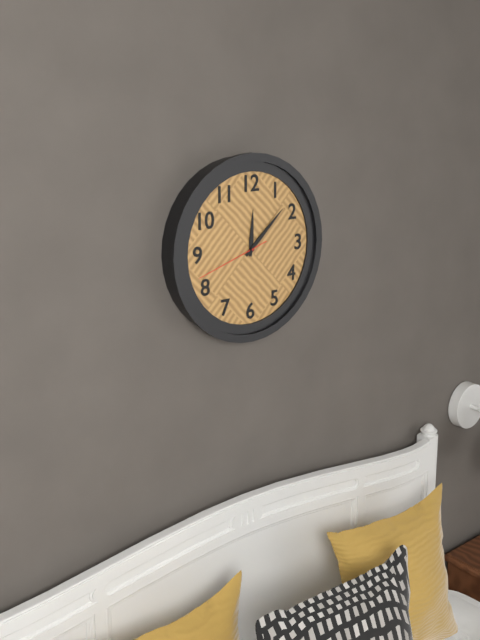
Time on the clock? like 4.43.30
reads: 12.08.42
